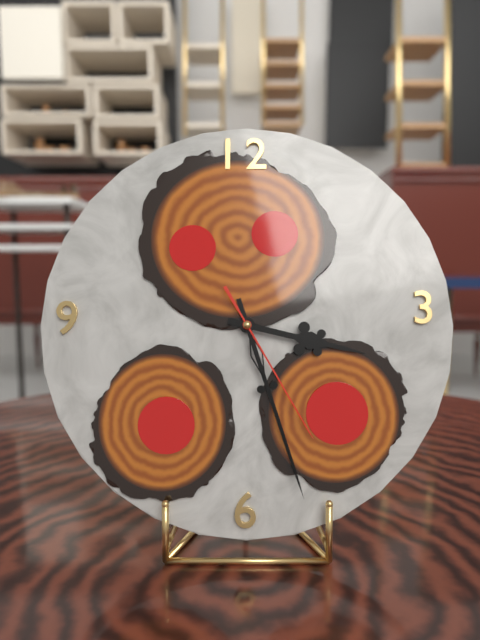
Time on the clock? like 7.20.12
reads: 3.27.25
